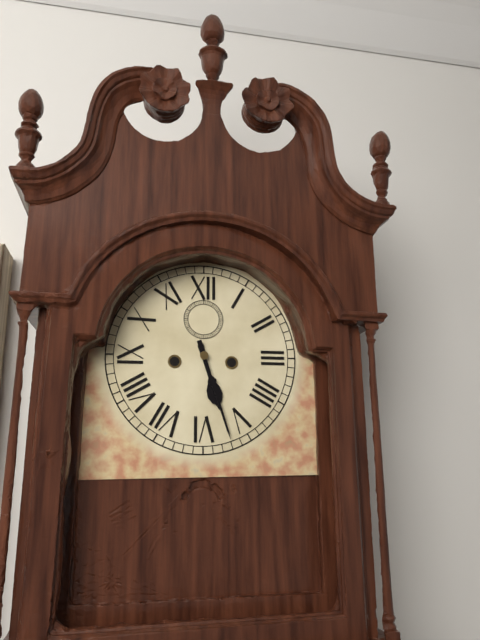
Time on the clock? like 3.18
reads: 5.27
